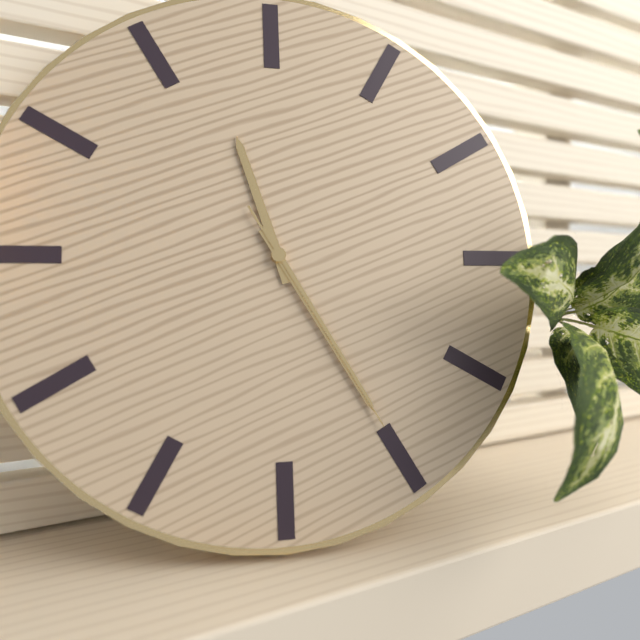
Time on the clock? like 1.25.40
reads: 11.25.25
